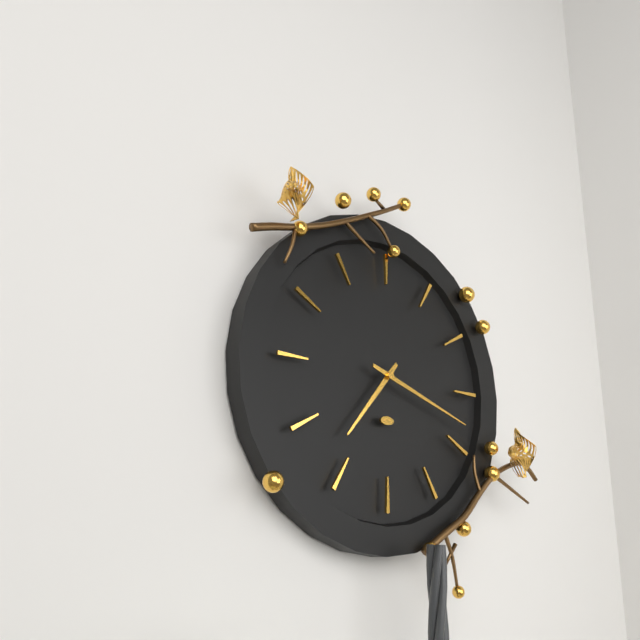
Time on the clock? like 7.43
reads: 7.18
